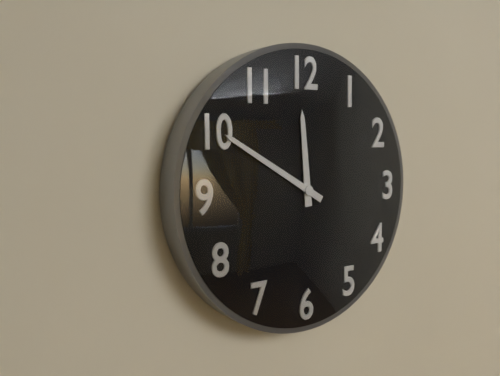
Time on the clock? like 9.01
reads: 11.50
